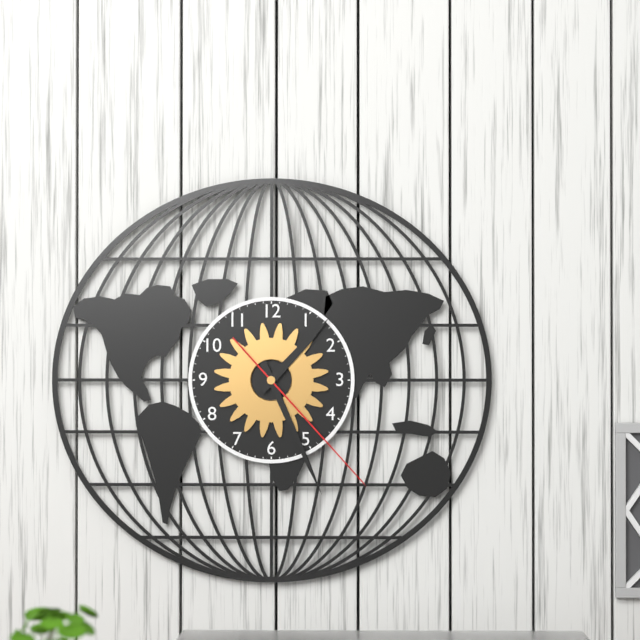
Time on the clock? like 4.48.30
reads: 1.26.23
